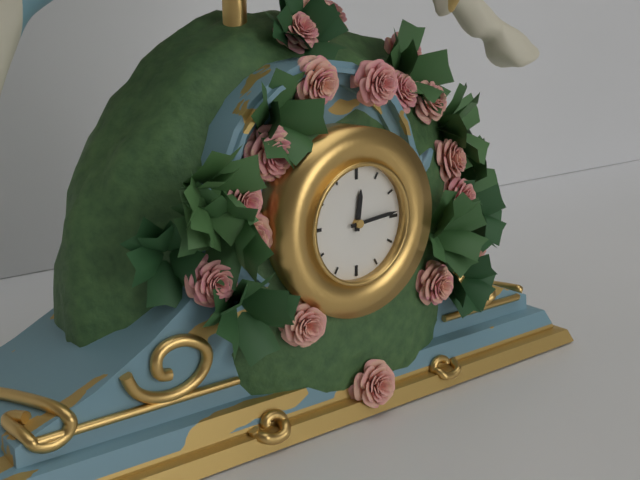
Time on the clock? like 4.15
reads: 12.14
